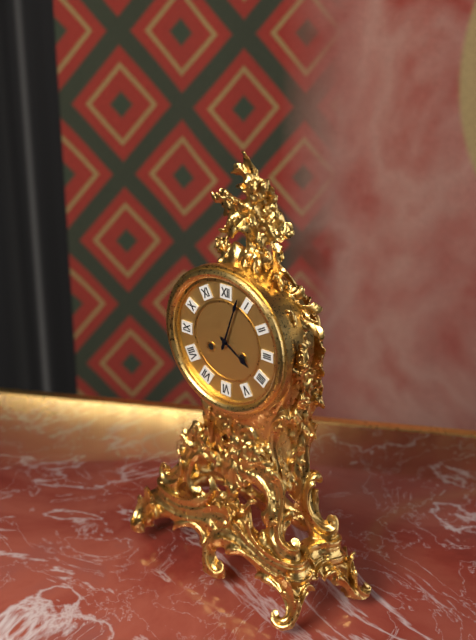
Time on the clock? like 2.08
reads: 4.03
